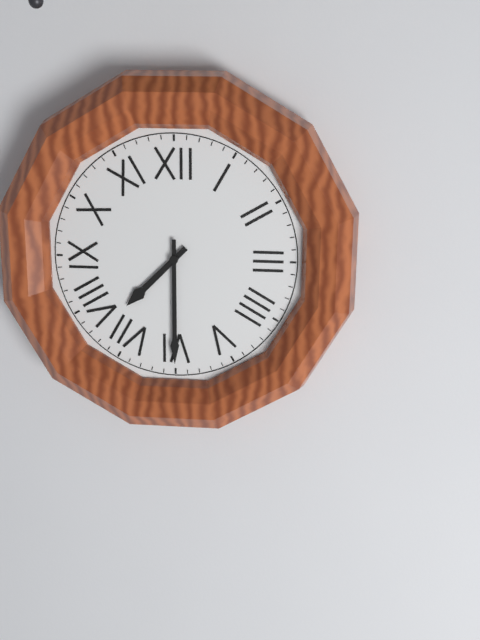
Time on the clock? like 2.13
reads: 7.30
